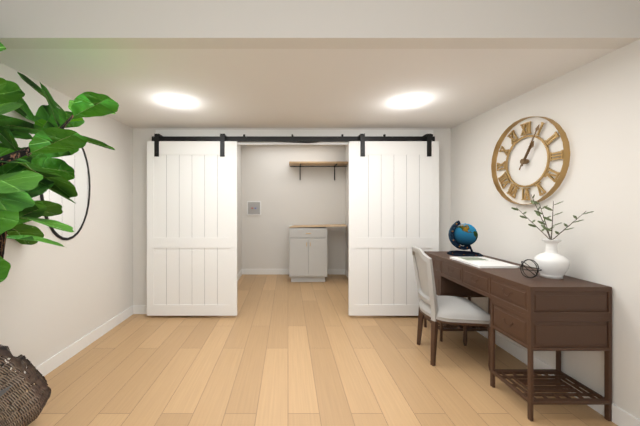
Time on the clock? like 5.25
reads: 1.05
